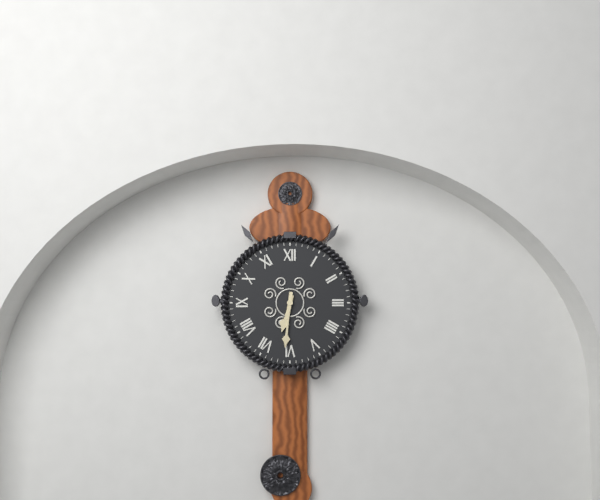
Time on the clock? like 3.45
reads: 6.31
